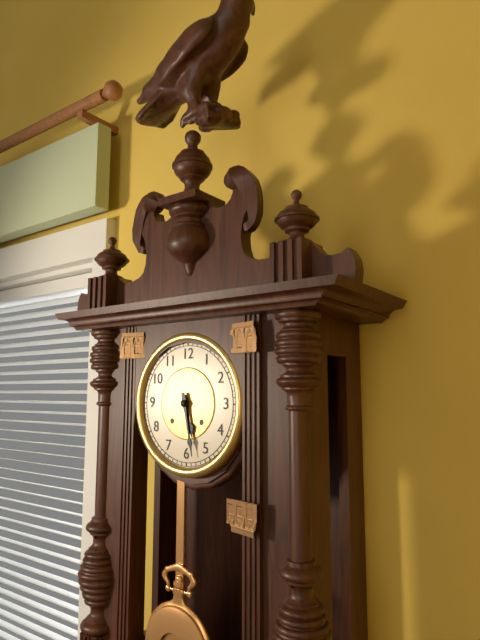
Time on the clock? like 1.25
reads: 5.28
